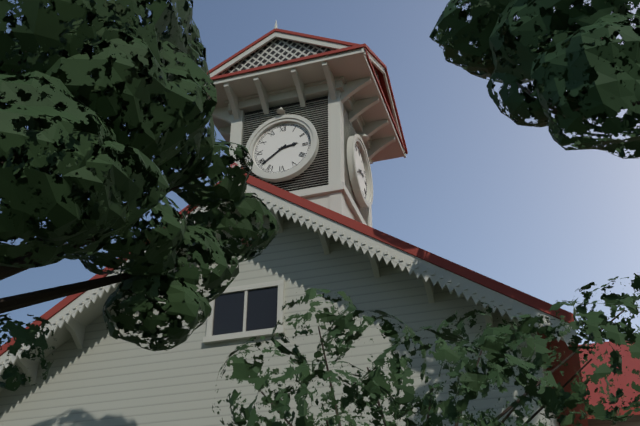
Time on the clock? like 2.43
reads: 2.39
